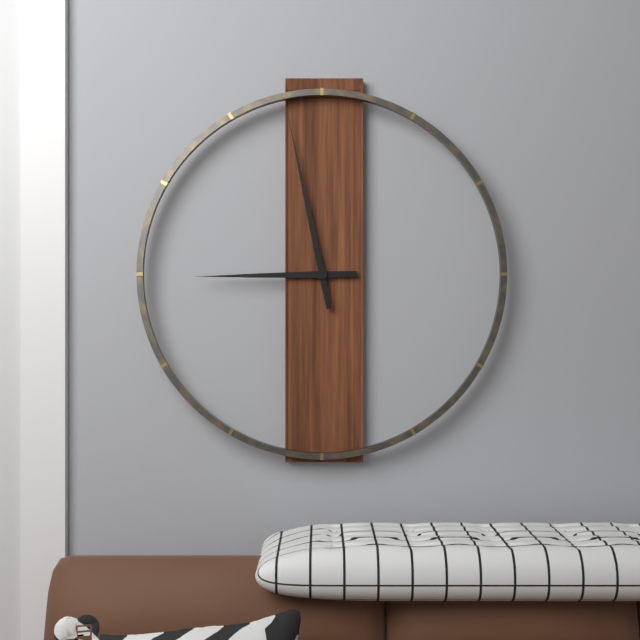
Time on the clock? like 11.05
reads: 8.58
